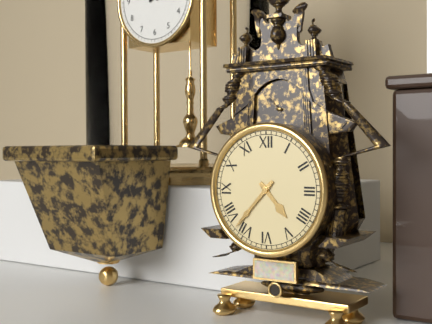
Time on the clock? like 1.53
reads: 4.37
